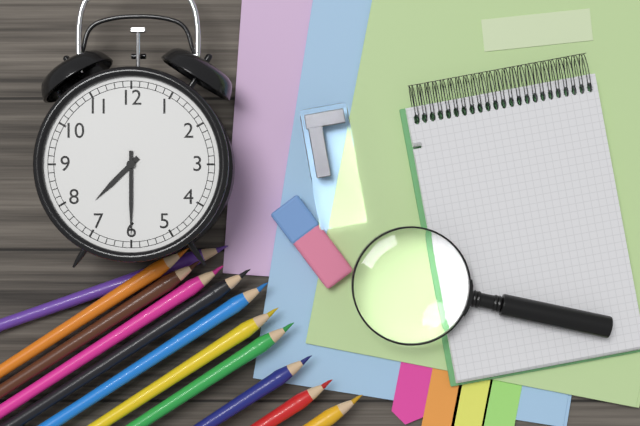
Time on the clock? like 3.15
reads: 7.30
